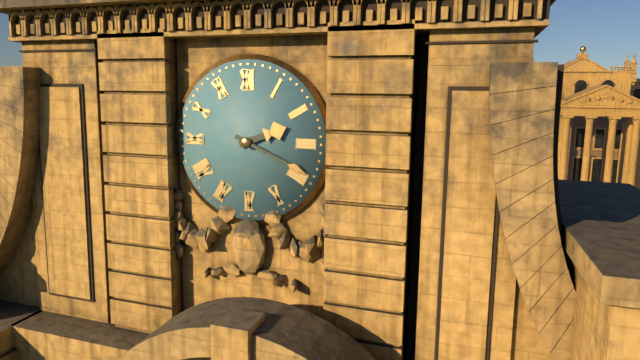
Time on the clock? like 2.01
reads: 2.19
